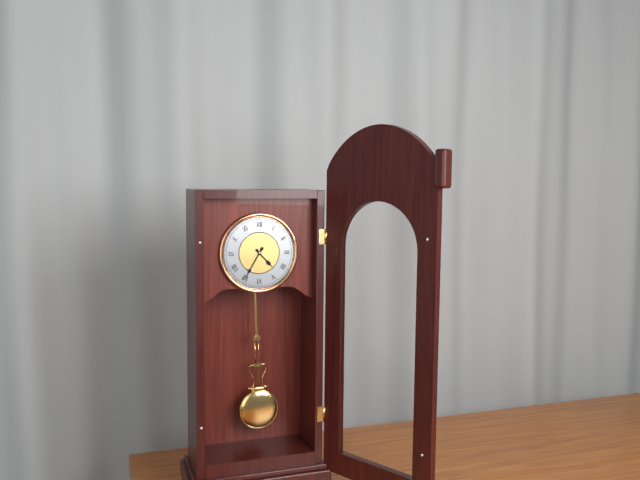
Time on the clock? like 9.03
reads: 4.35
